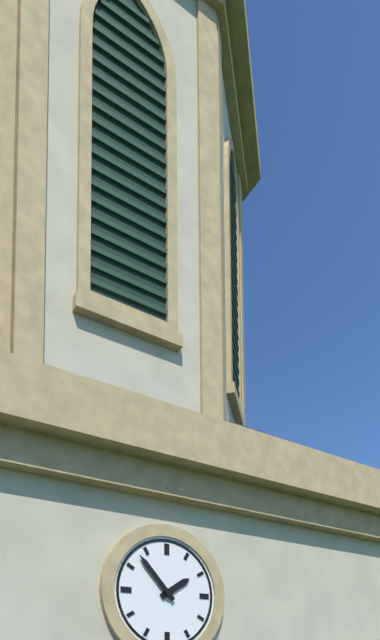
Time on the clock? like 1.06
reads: 1.53
